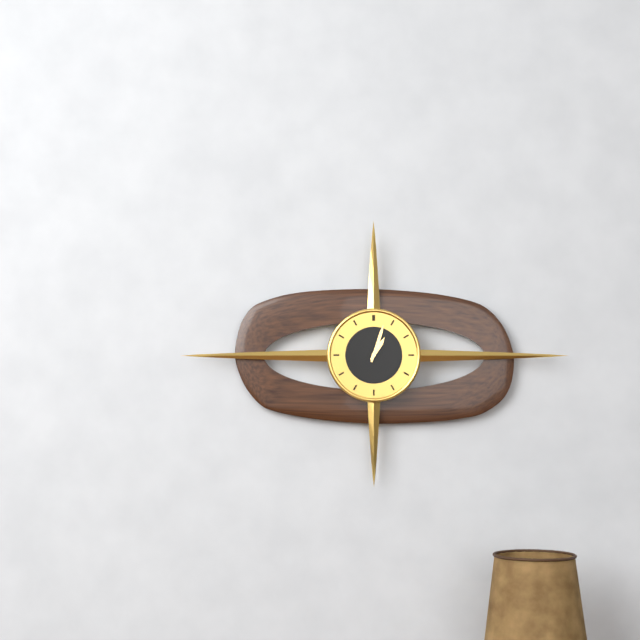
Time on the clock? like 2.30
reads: 1.03
